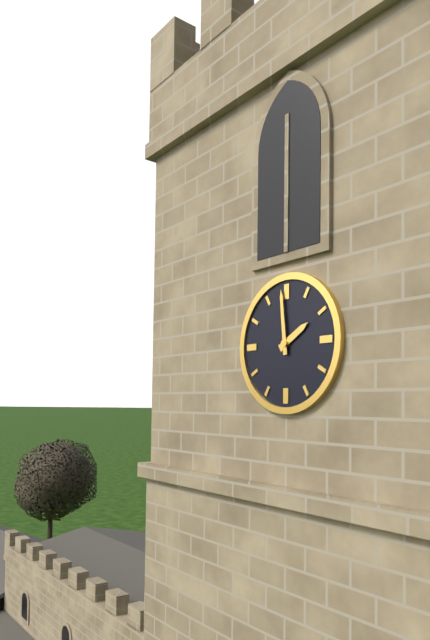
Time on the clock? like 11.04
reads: 1.59
